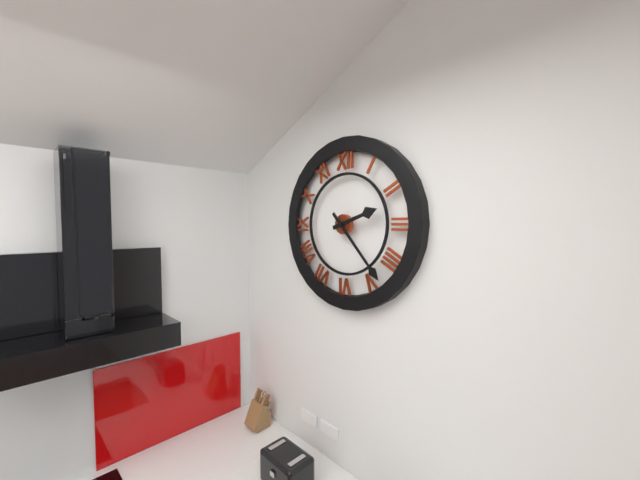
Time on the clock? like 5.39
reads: 2.23
